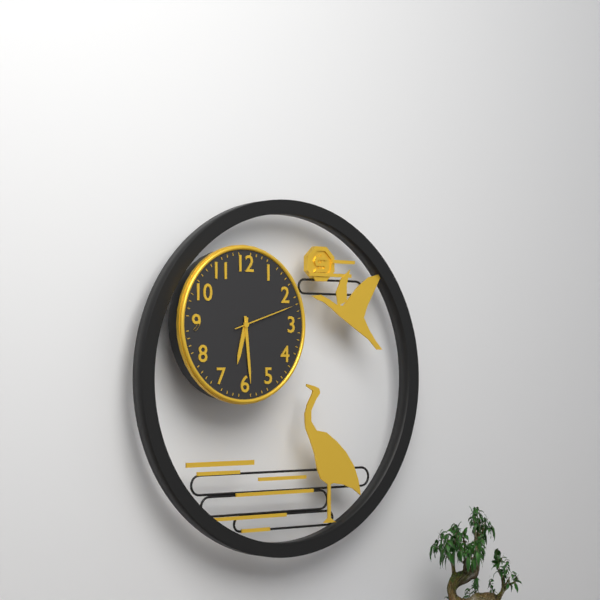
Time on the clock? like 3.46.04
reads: 6.29.12
